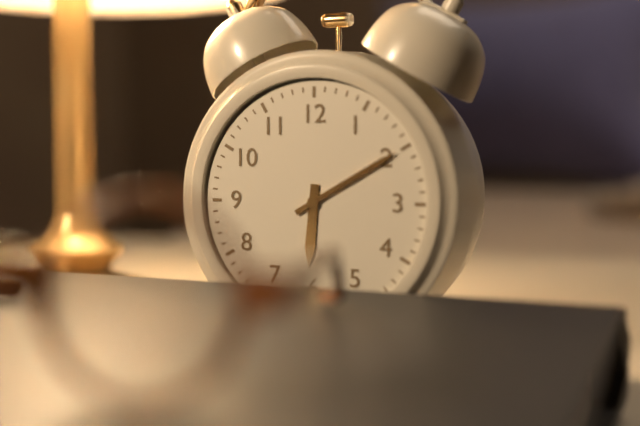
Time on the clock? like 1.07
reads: 6.10
